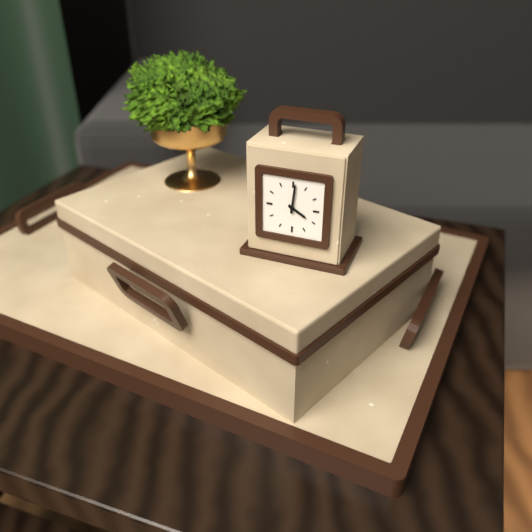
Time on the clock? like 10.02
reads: 4.01
